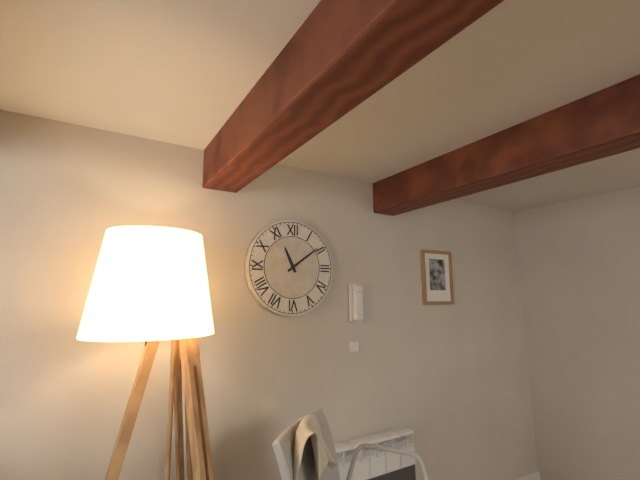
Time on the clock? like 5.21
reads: 11.09
